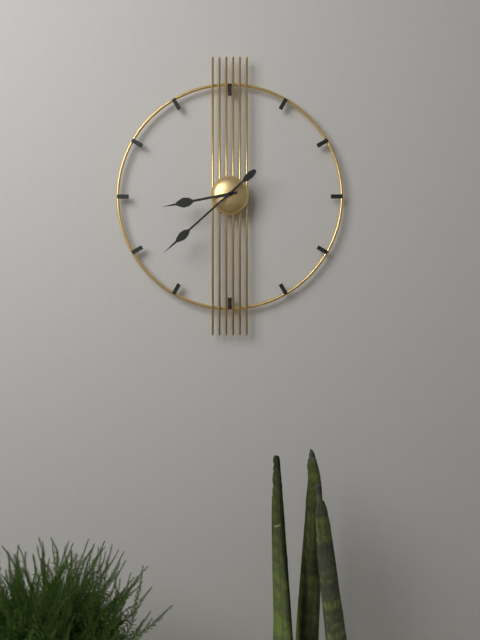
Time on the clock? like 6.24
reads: 8.38
